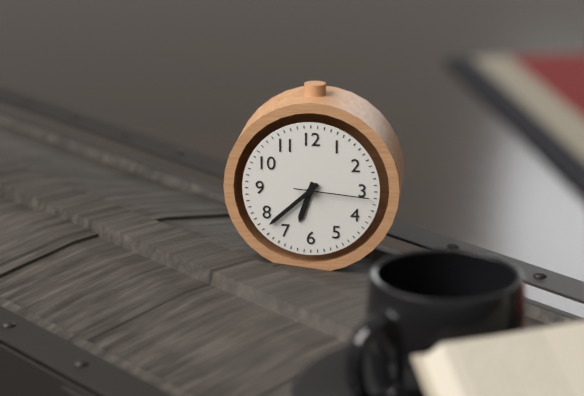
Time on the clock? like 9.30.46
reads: 6.38.16
